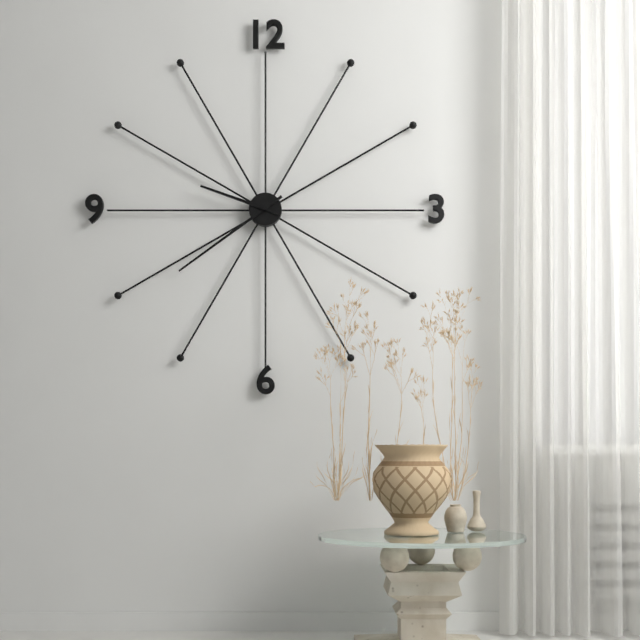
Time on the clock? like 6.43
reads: 9.39
